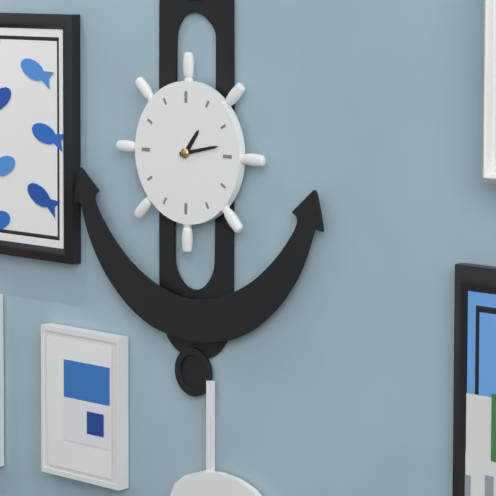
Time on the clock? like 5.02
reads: 1.13
